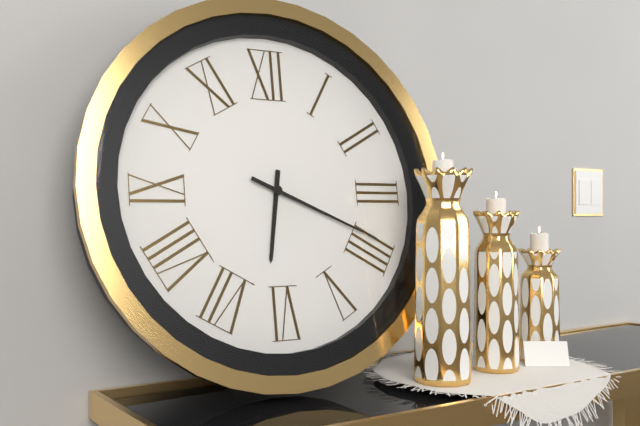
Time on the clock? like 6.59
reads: 6.19
